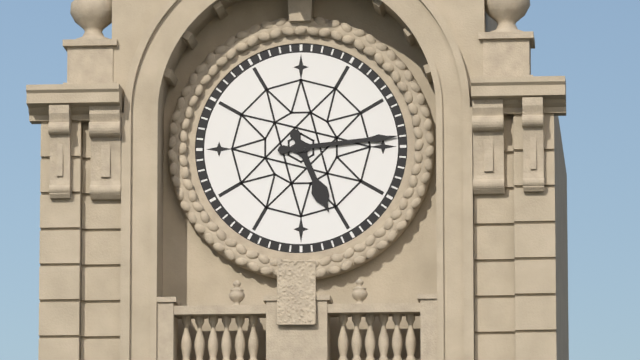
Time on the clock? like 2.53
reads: 5.14
